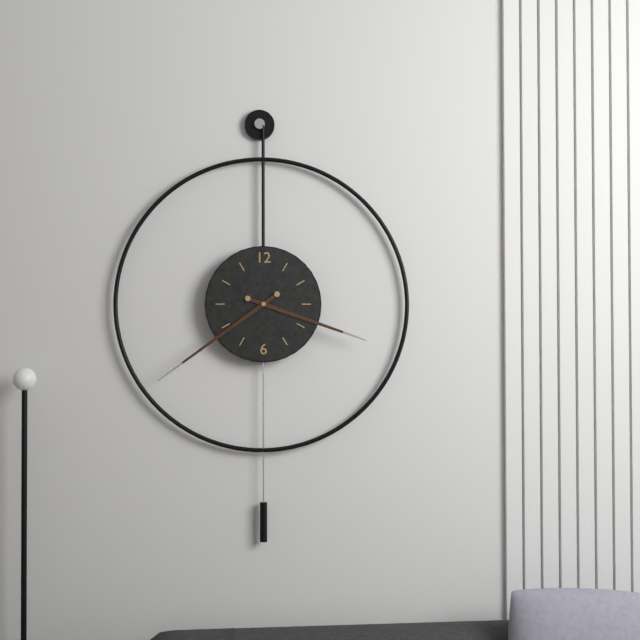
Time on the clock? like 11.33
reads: 3.39
